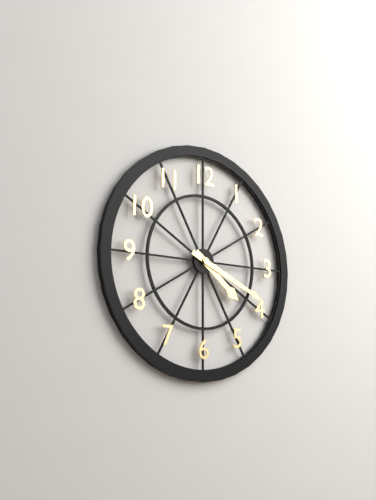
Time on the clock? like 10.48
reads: 4.19
